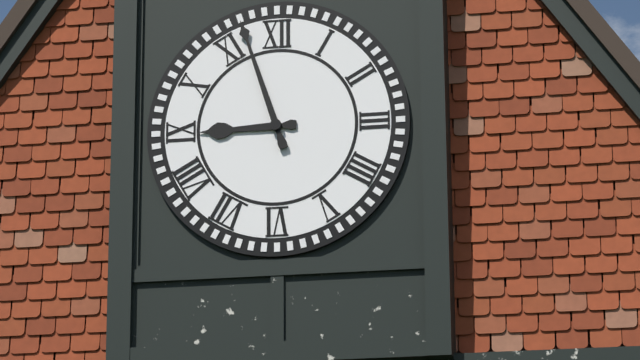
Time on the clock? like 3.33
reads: 8.57
